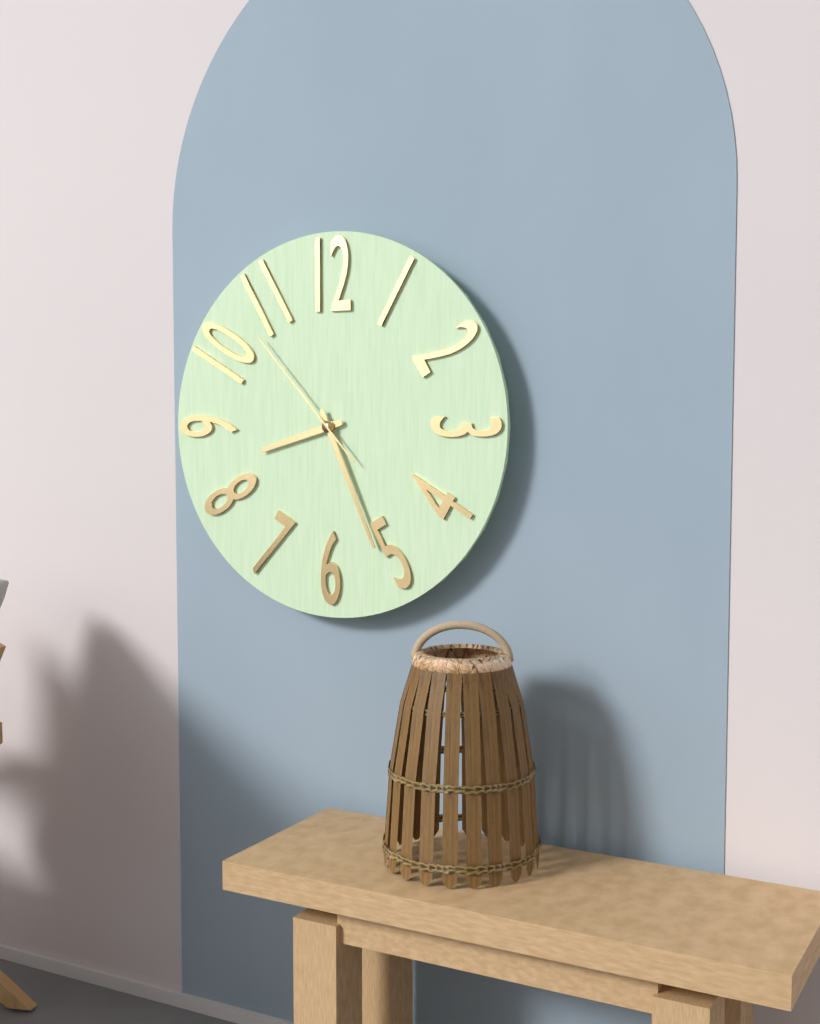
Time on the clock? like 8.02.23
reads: 8.26.53
